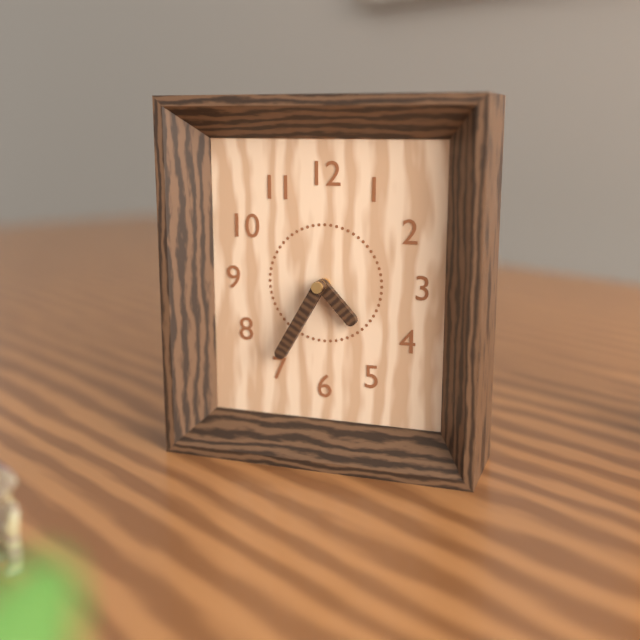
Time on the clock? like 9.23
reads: 4.35
